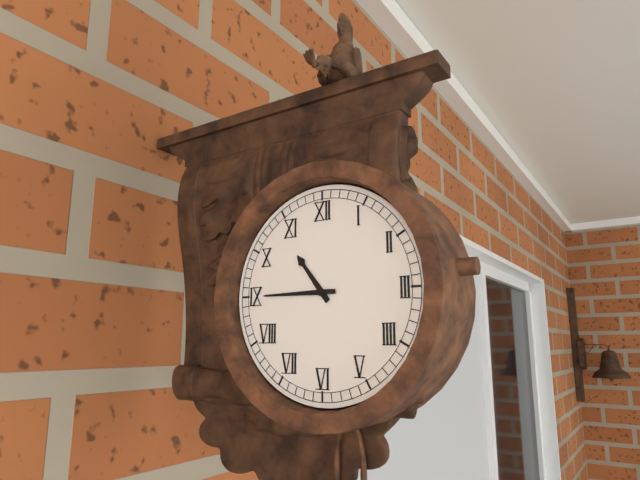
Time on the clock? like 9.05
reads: 10.45
